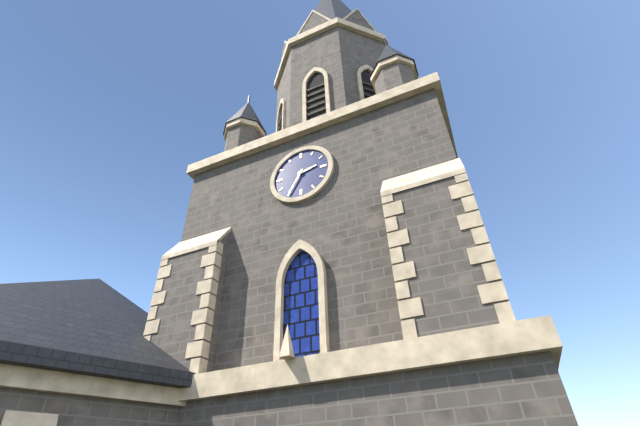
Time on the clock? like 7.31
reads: 2.35
